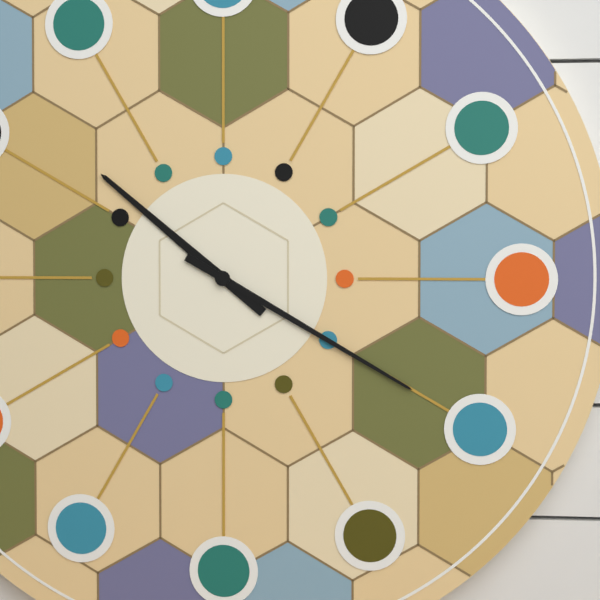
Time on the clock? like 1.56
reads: 10.20
